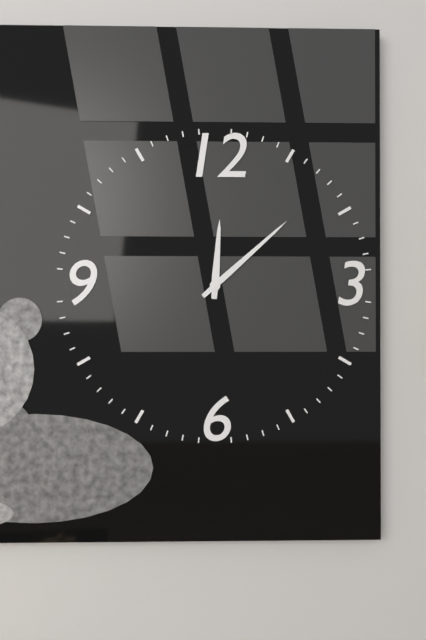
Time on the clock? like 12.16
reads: 12.08
